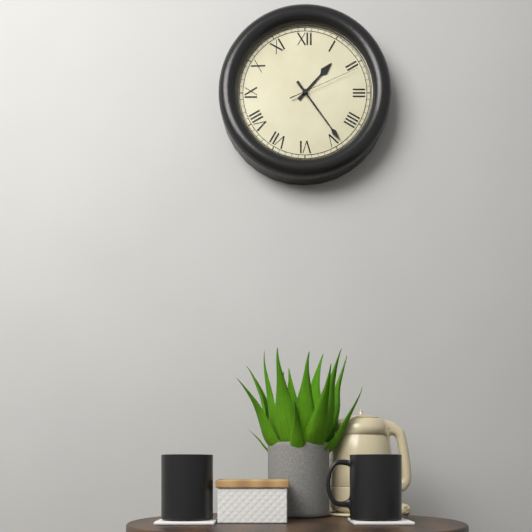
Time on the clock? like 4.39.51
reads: 1.24.11
